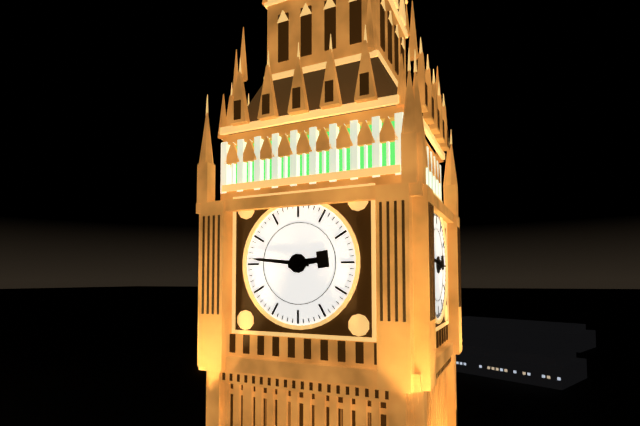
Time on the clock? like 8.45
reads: 2.46
